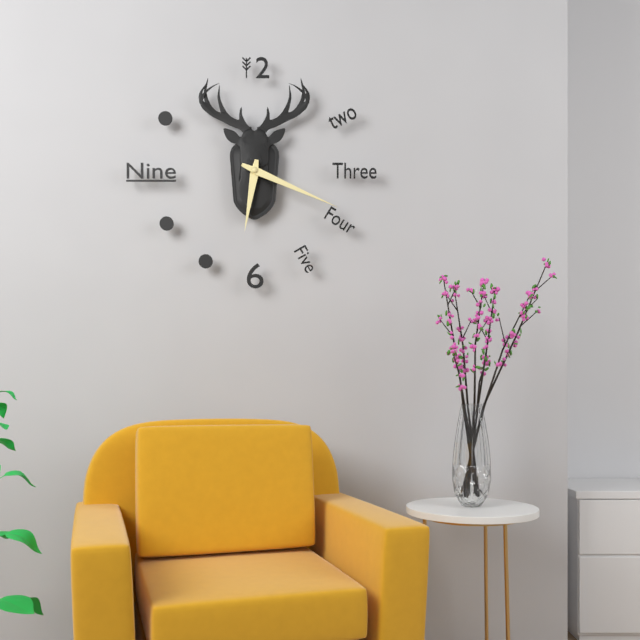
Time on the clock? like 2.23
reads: 6.19
